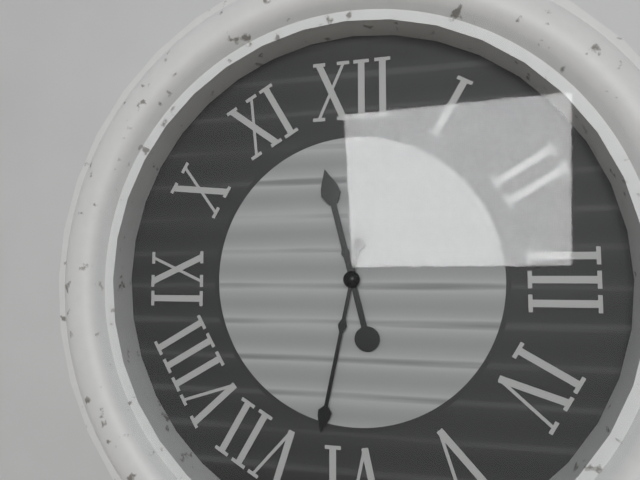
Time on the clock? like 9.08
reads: 11.32
